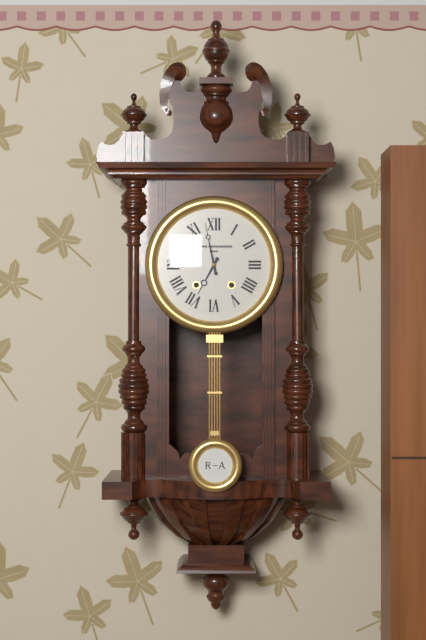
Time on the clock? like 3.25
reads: 6.58
